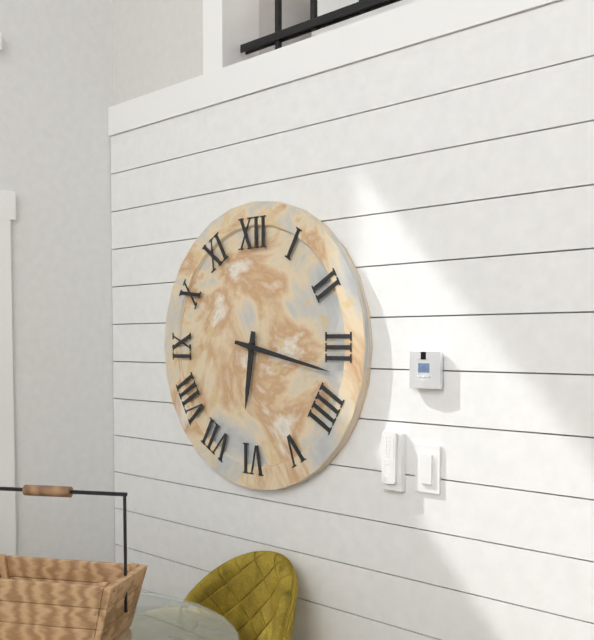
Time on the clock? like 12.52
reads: 6.17
